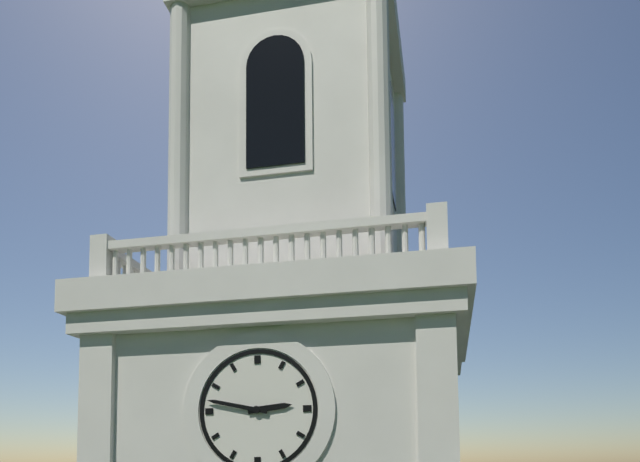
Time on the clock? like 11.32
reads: 2.47
